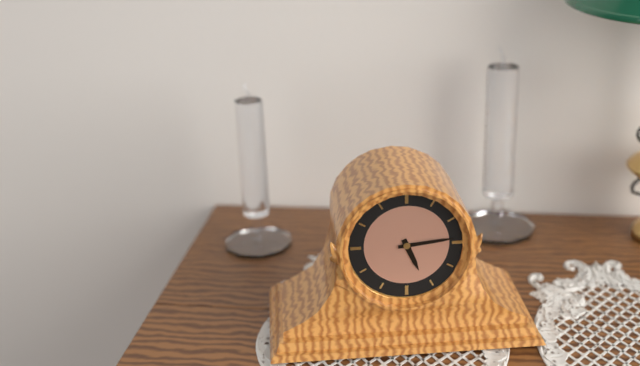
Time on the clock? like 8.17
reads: 5.14
